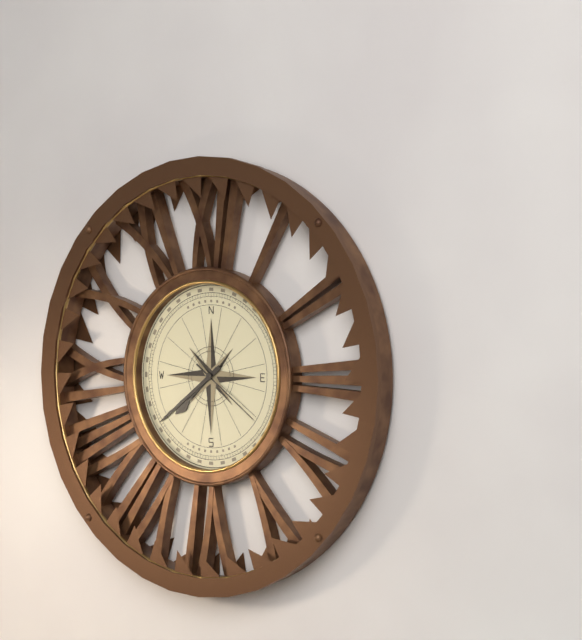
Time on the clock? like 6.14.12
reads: 7.39.21
